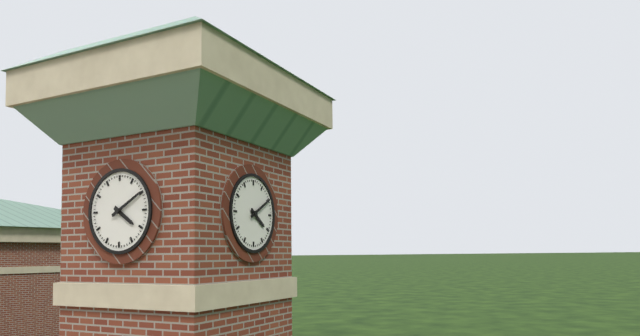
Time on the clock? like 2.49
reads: 4.10
